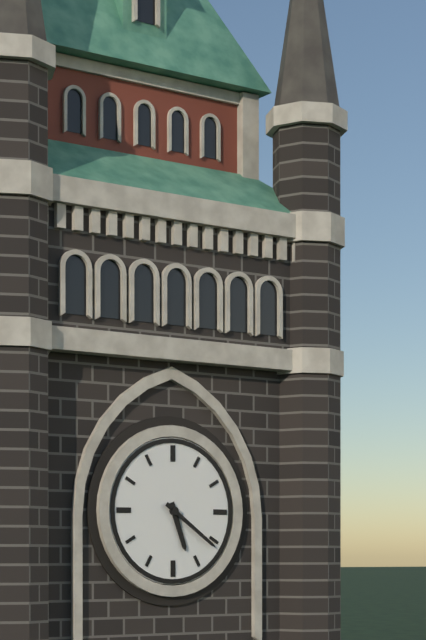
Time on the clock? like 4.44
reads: 5.21
